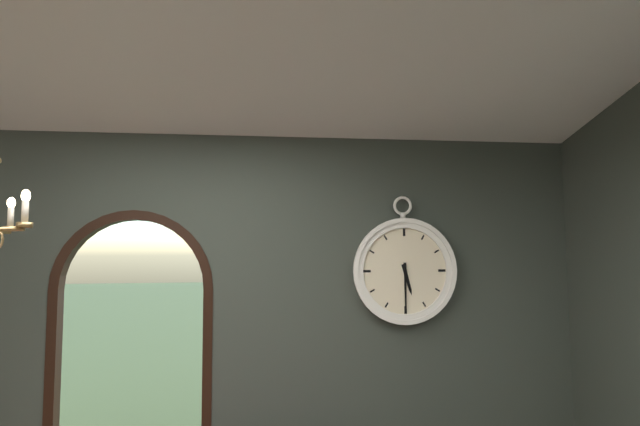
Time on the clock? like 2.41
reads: 5.30
